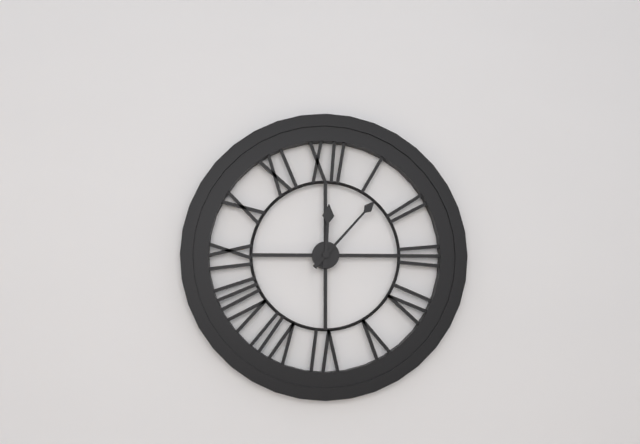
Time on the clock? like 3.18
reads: 12.07
